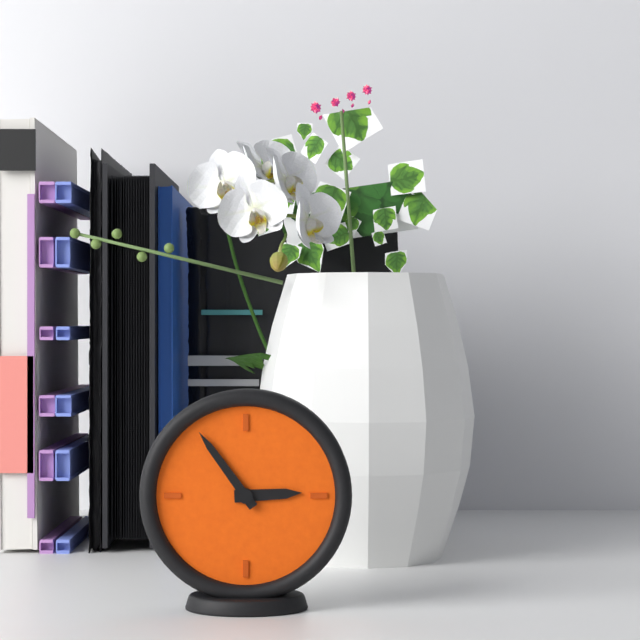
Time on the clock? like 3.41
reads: 2.54
